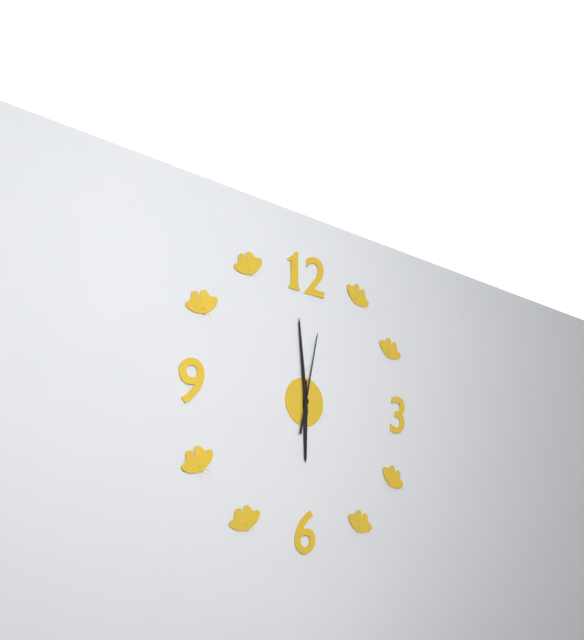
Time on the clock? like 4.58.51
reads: 5.59.02
